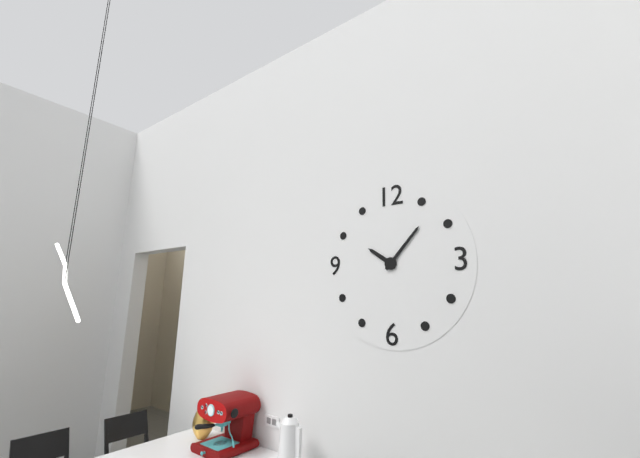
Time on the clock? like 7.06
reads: 10.07
